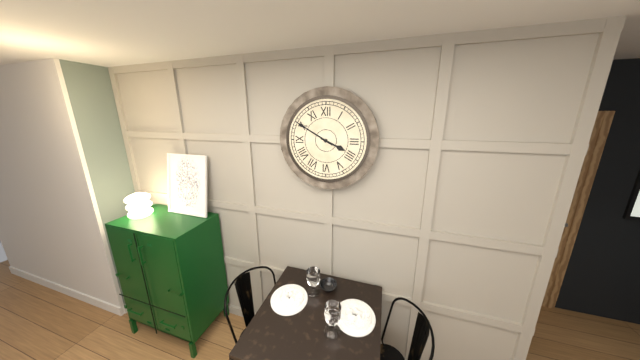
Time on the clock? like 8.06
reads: 3.50
